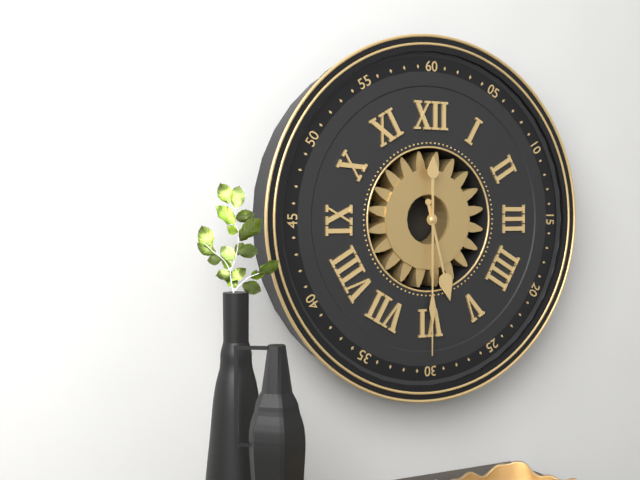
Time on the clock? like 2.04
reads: 5.30
